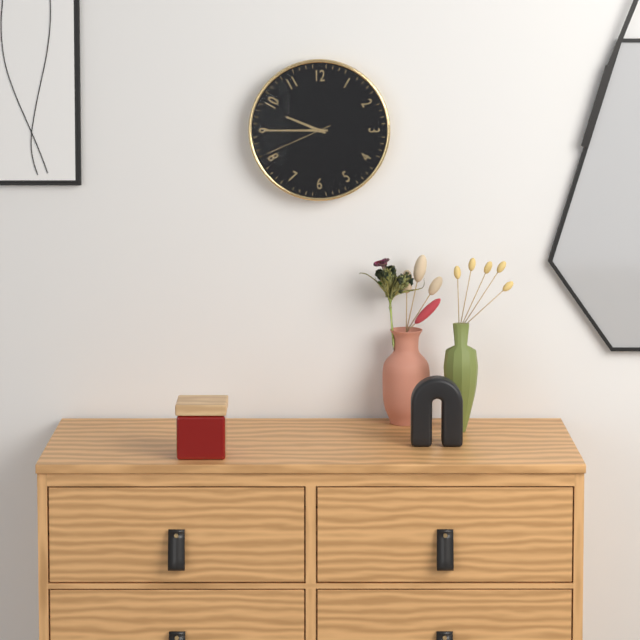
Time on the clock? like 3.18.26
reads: 9.45.41
